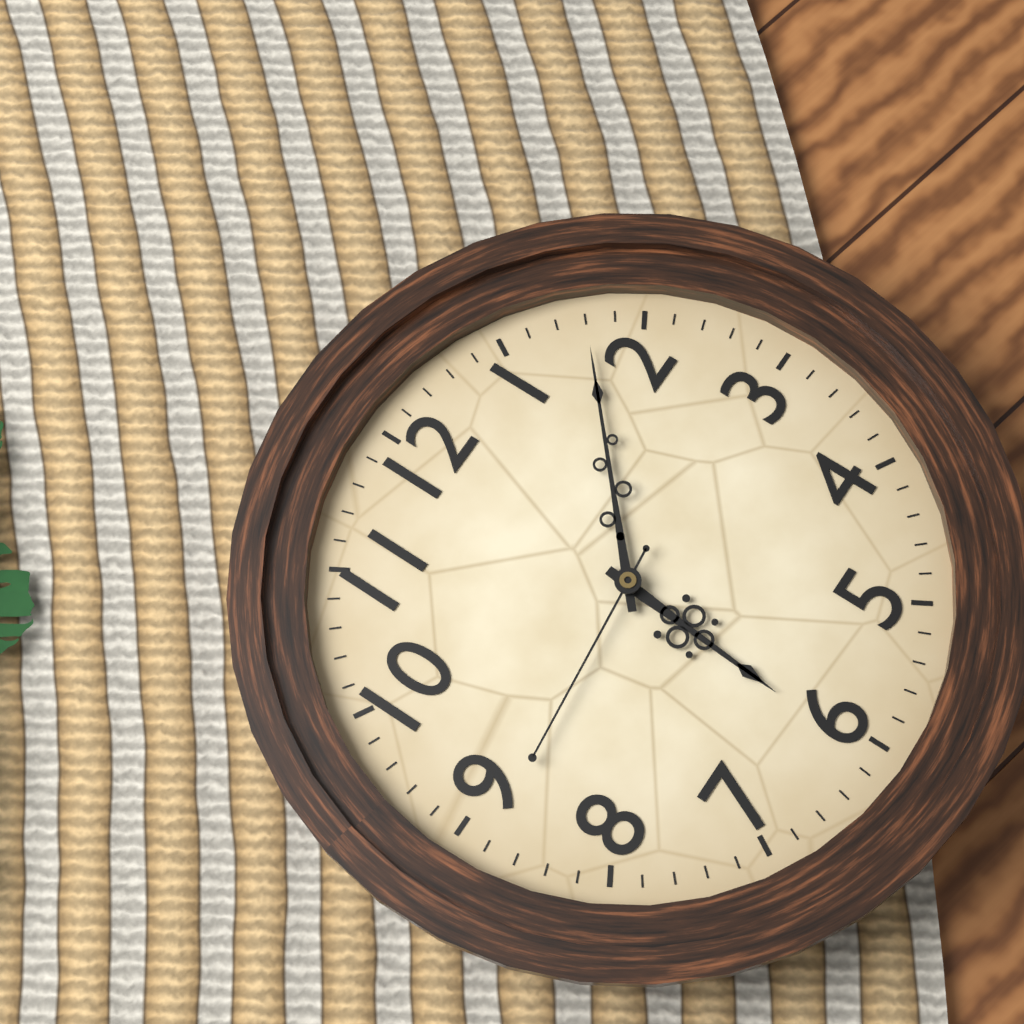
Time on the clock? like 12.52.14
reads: 6.08.44
